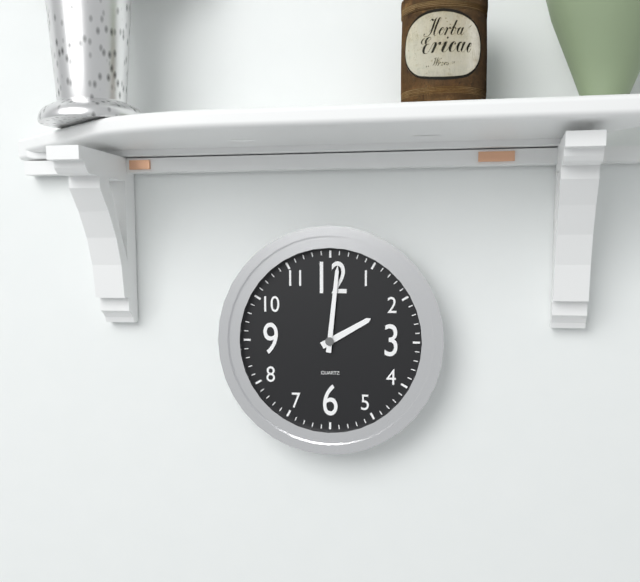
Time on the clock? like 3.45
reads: 2.01
